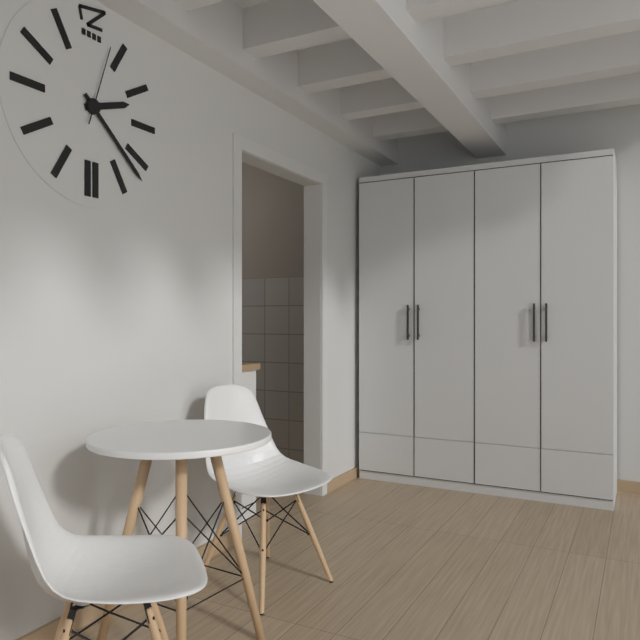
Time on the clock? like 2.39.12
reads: 2.22.03
